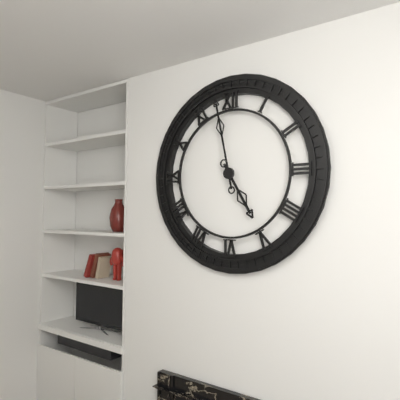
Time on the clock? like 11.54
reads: 4.58
